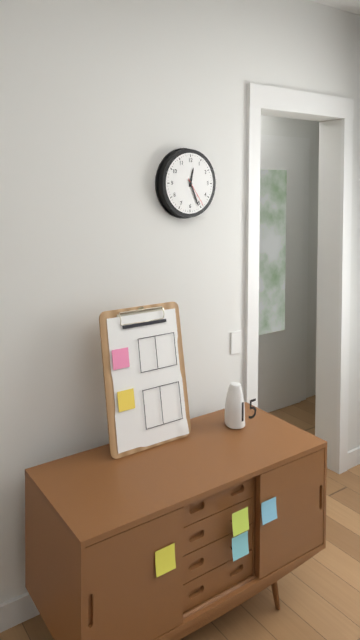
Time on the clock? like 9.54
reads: 12.26
